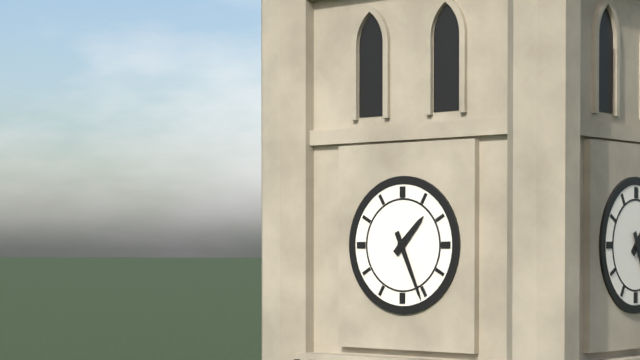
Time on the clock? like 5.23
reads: 1.26
